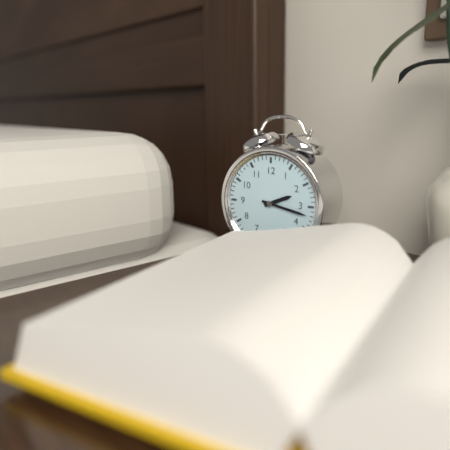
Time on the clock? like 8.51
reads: 2.17
